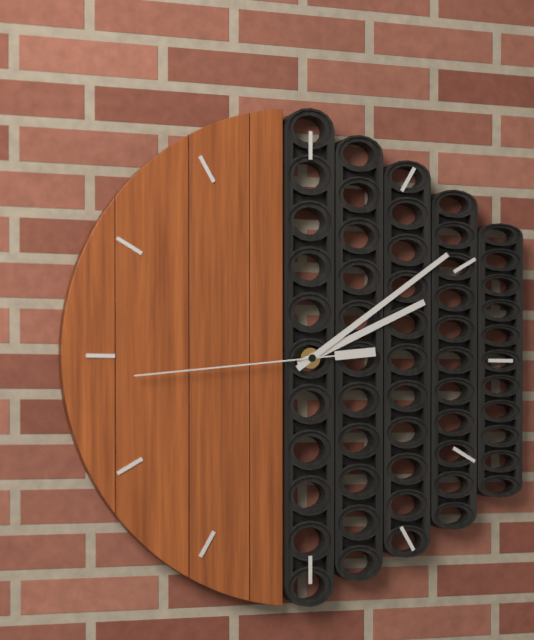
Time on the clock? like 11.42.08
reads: 2.09.44
